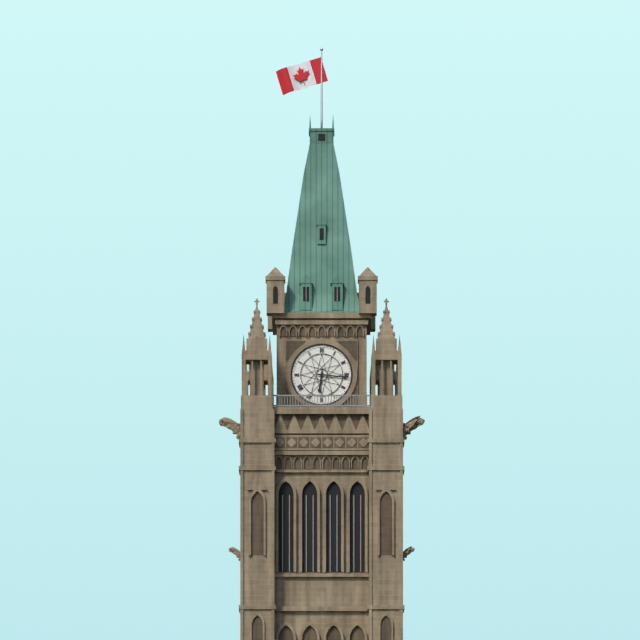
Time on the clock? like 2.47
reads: 6.16
